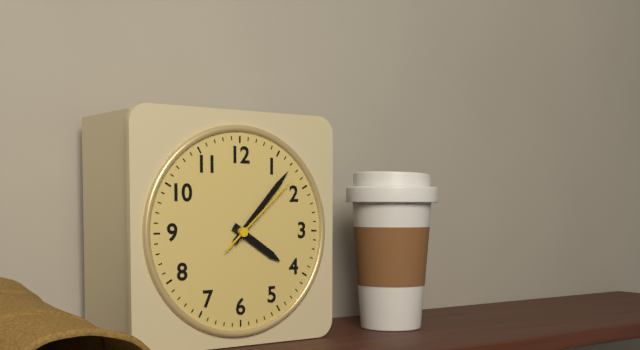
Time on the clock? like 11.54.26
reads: 4.07.08
